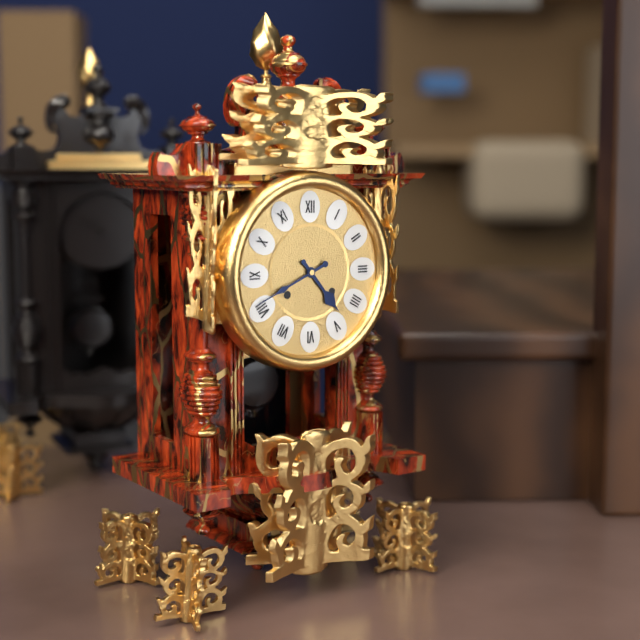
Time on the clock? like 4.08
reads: 4.41
